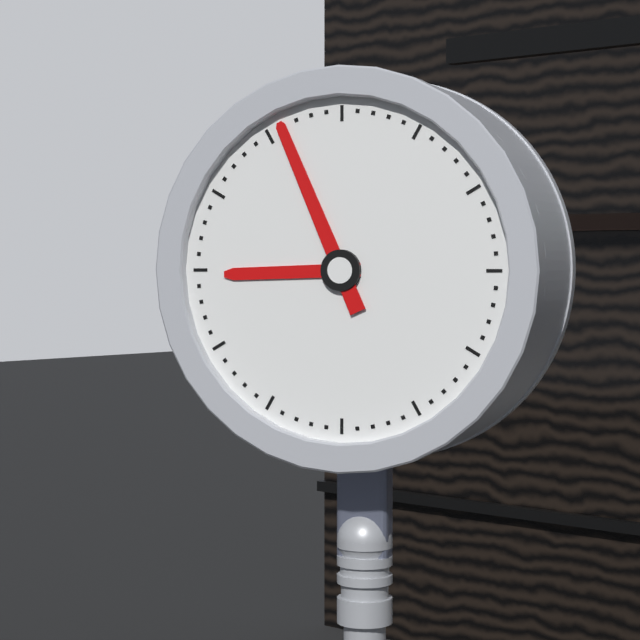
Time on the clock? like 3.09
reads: 8.56
